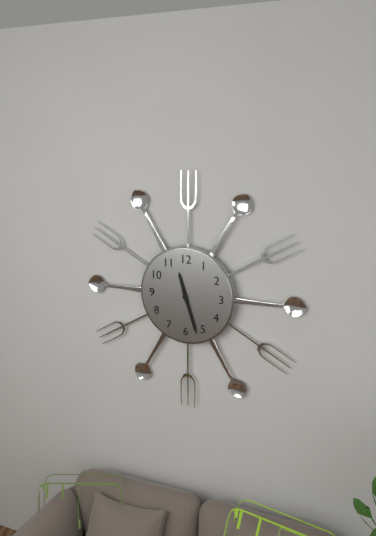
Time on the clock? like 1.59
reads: 11.27
